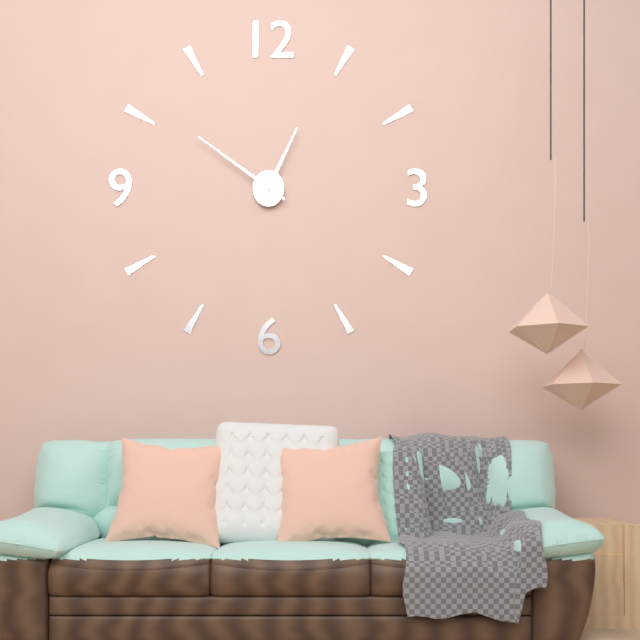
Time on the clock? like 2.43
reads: 12.51
